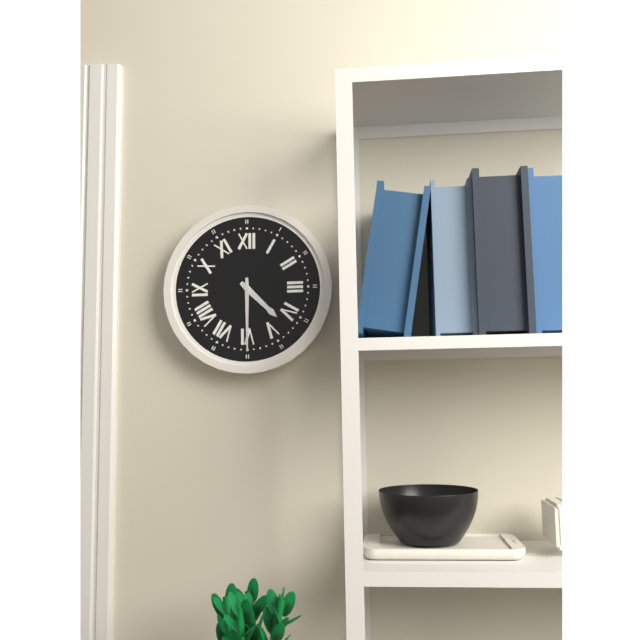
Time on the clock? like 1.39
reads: 4.30
